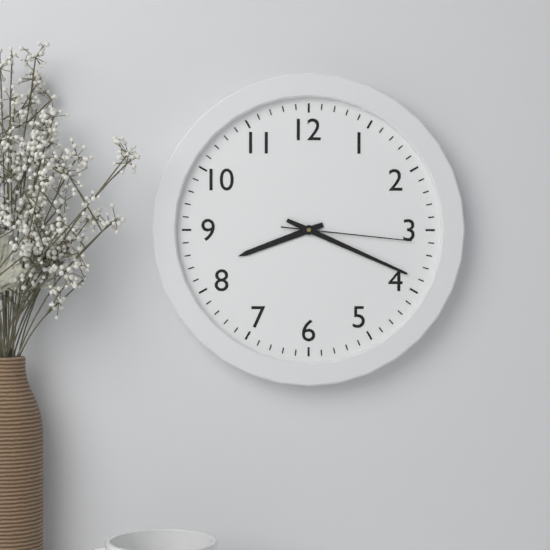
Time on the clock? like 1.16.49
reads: 8.19.16
